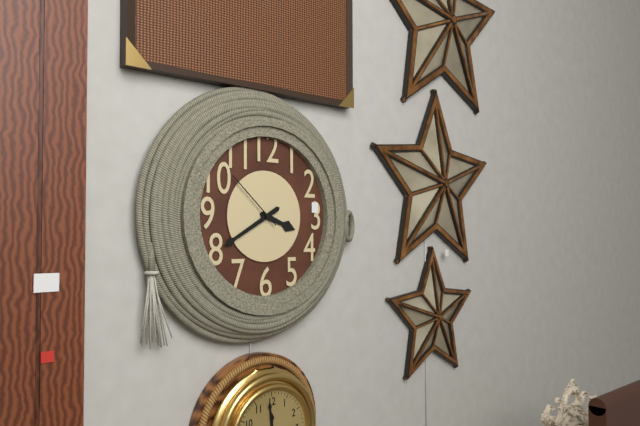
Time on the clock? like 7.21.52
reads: 3.40.52
